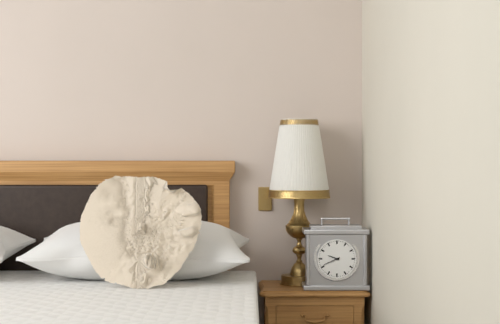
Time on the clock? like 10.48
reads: 9.41
